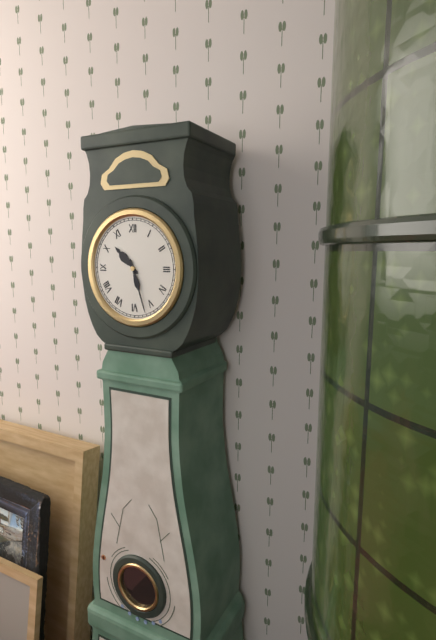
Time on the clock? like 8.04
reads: 10.27
